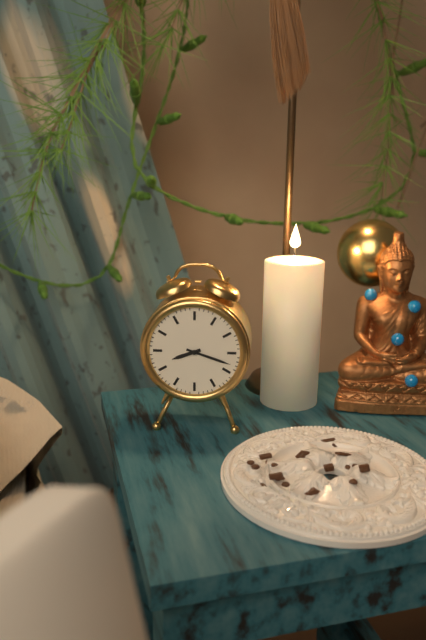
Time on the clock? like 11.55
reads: 8.18
